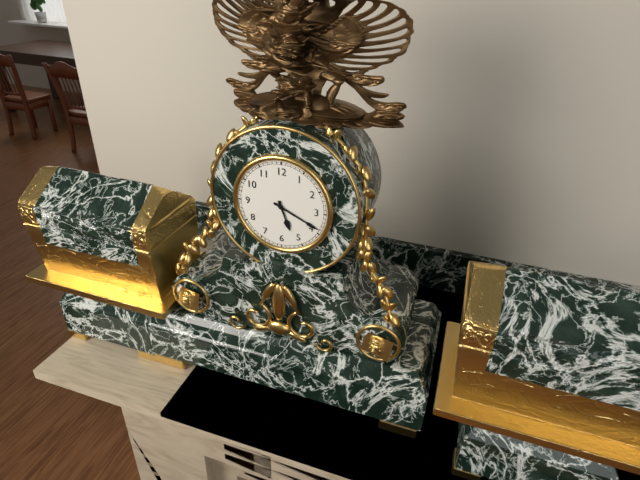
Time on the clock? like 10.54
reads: 5.19
